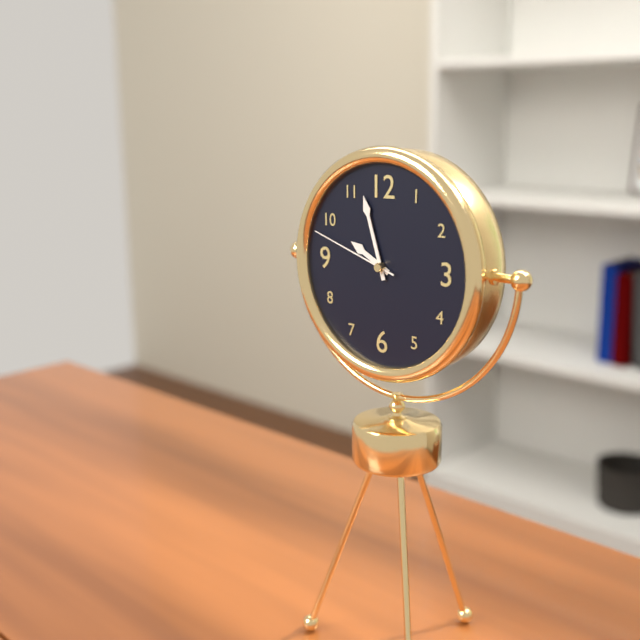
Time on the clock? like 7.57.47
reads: 9.57.48
